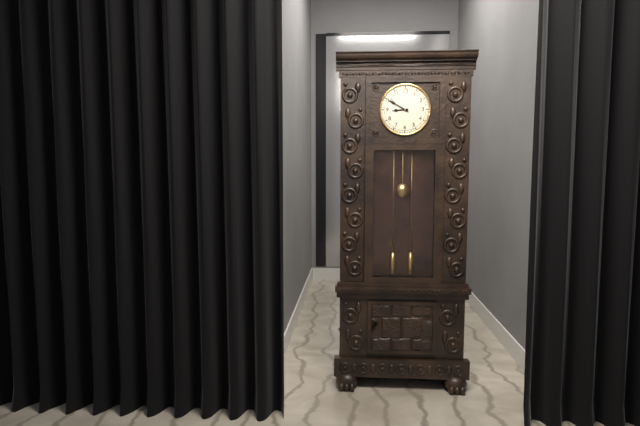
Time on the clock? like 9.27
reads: 8.50
